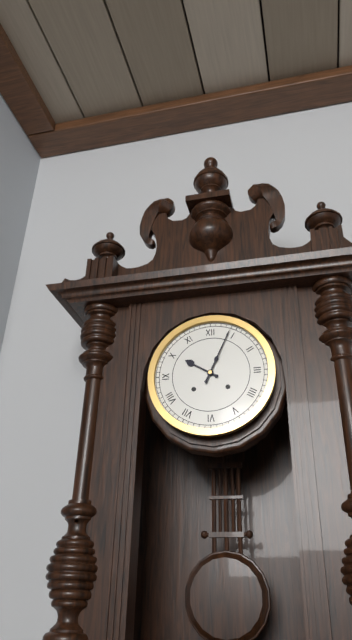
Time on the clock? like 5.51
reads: 10.04
